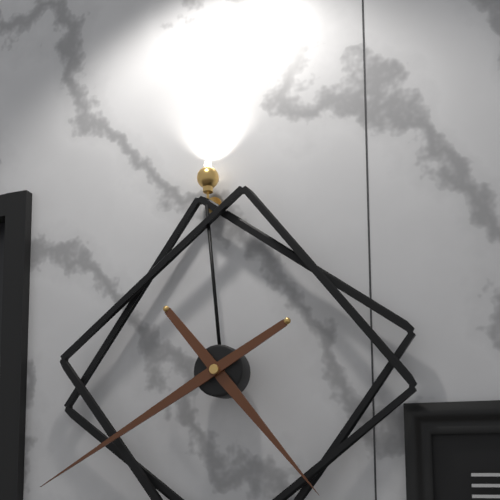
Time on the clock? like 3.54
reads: 4.40
